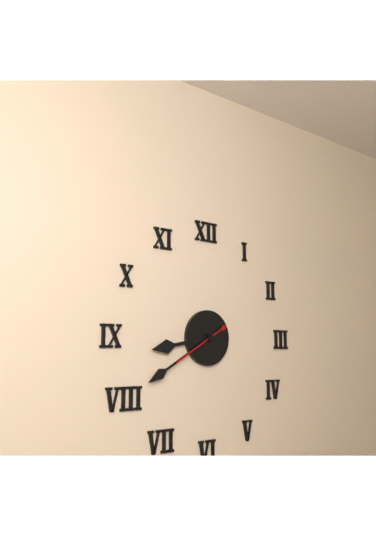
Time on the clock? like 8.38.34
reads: 8.40.40
